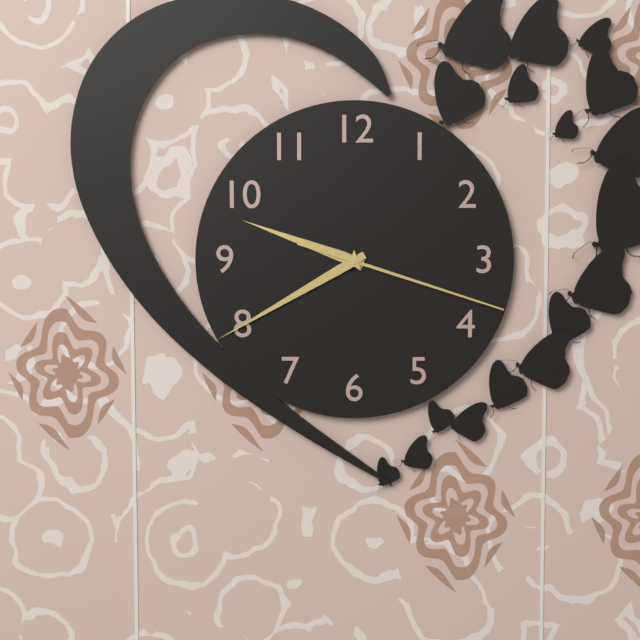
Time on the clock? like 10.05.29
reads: 9.40.18
